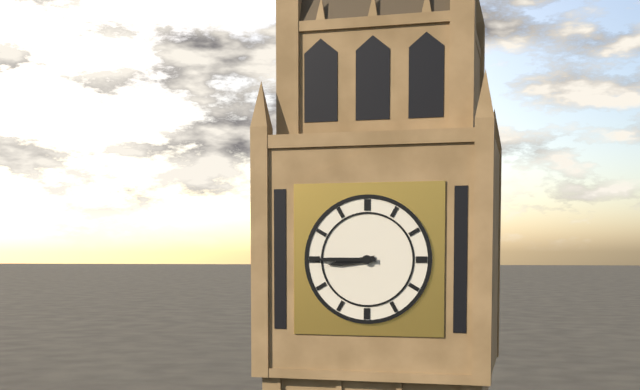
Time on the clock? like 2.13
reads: 8.45
